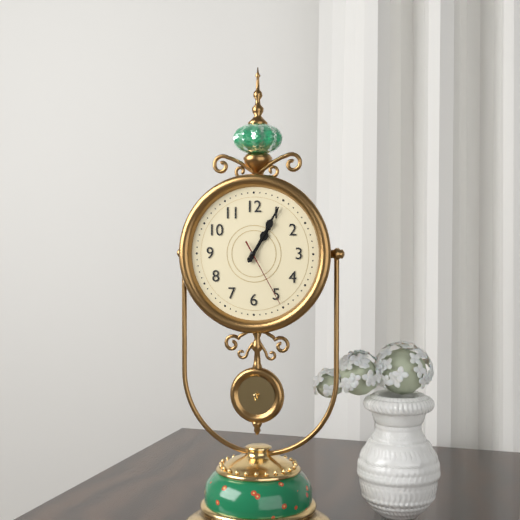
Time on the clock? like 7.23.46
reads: 1.05.25
